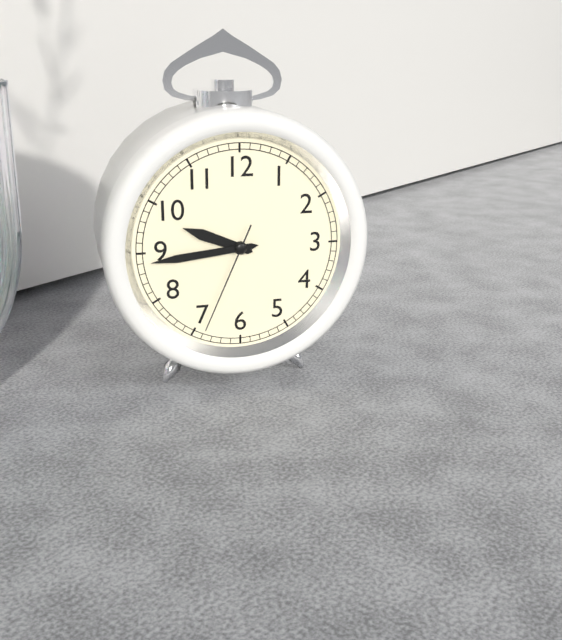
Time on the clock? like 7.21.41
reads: 9.44.34
